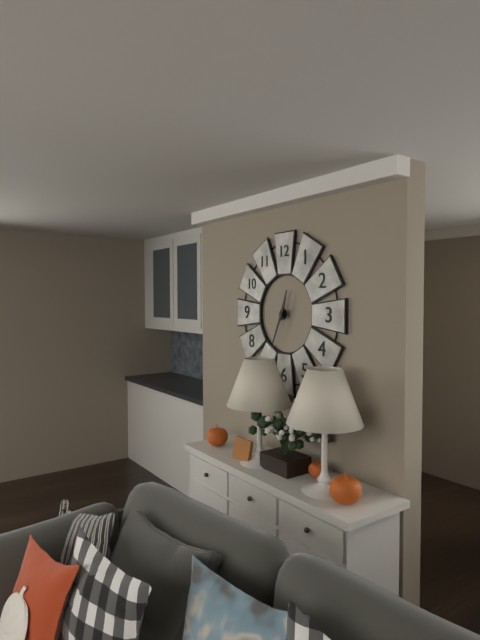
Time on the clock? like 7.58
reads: 12.34
